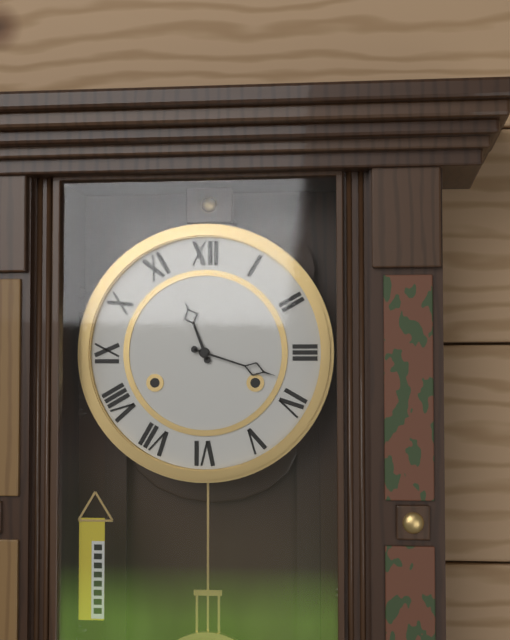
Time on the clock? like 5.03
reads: 11.18
